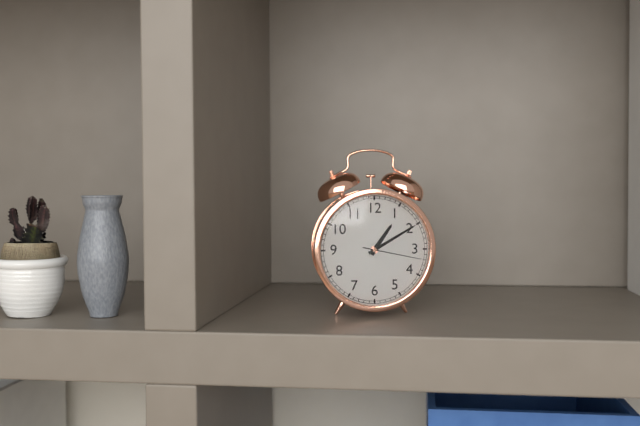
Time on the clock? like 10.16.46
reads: 1.10.17
